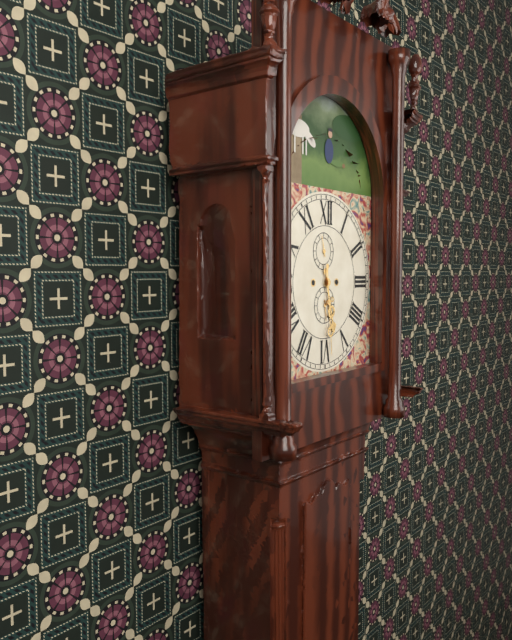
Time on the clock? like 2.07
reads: 5.29
